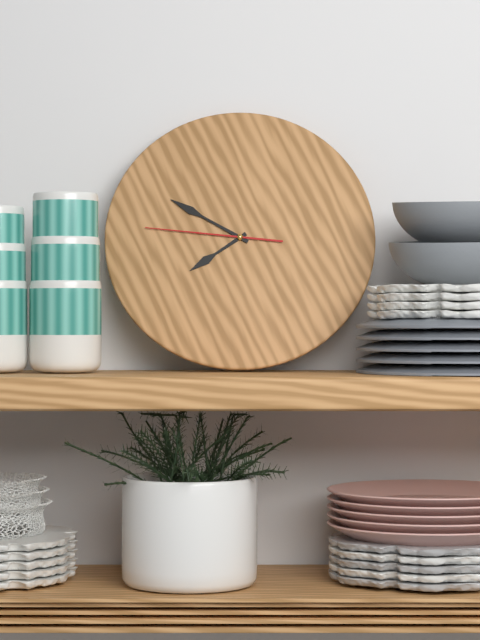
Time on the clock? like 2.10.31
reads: 7.50.46
